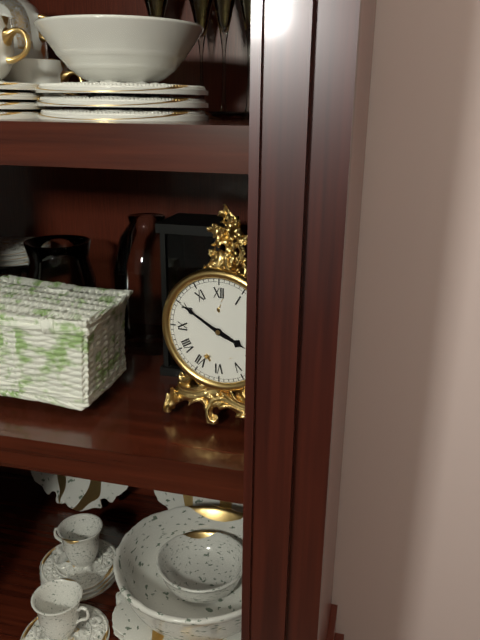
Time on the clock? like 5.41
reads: 3.50
